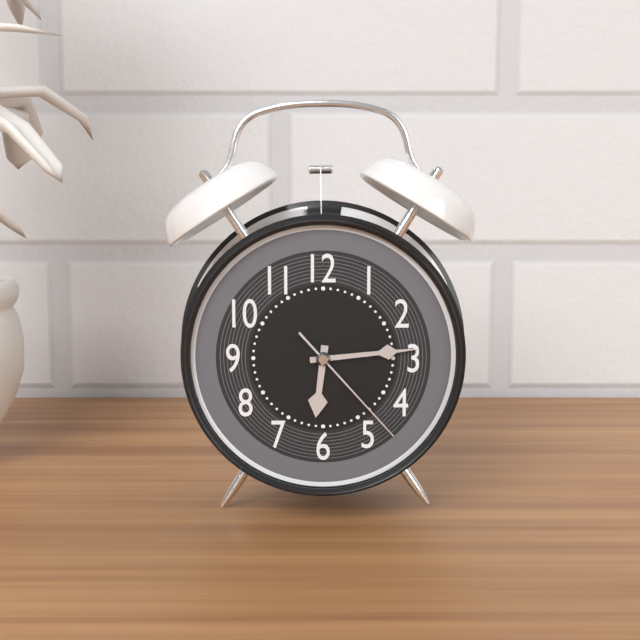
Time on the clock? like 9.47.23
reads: 6.14.23
